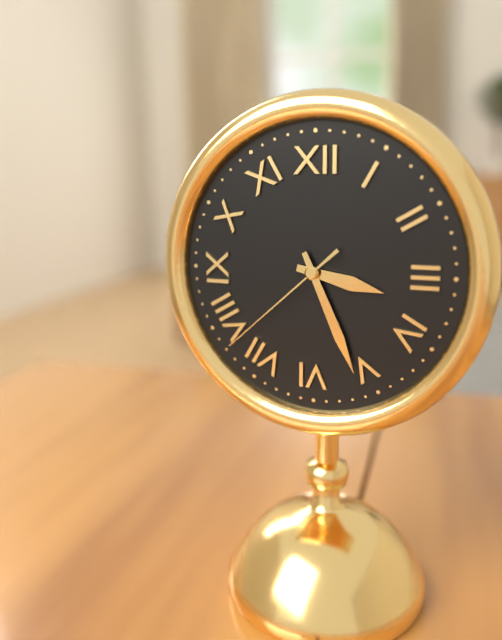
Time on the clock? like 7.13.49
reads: 3.26.38
